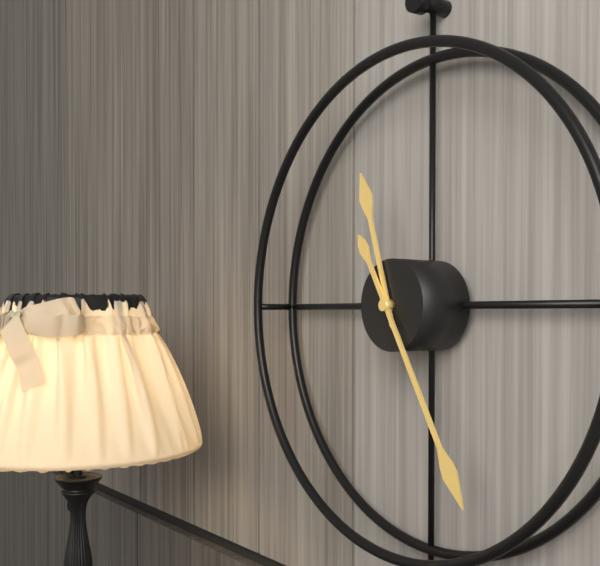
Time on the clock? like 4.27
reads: 11.25
